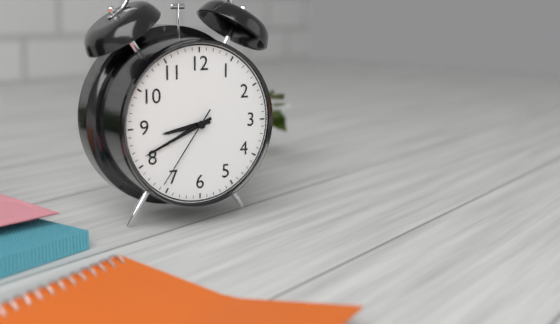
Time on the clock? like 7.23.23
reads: 8.41.36
